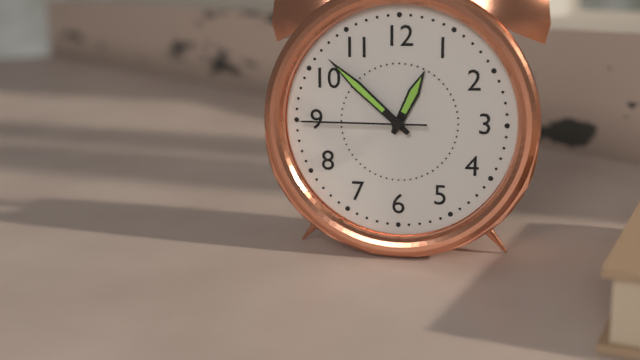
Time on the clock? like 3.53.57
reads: 12.52.45
